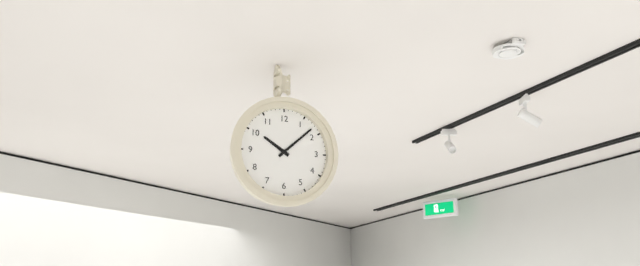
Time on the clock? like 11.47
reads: 10.08
